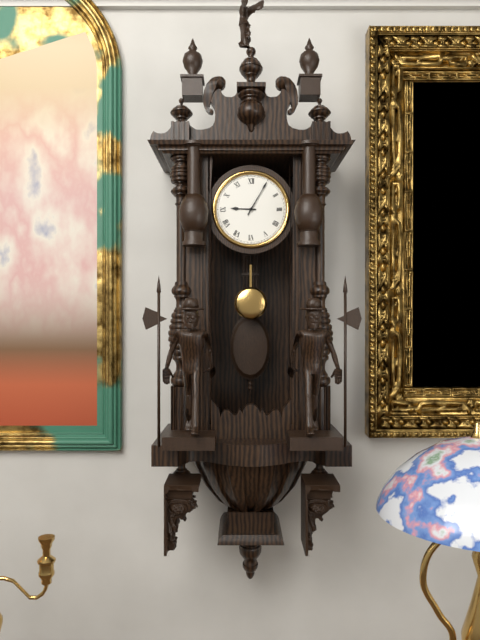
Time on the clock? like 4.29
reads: 9.05
